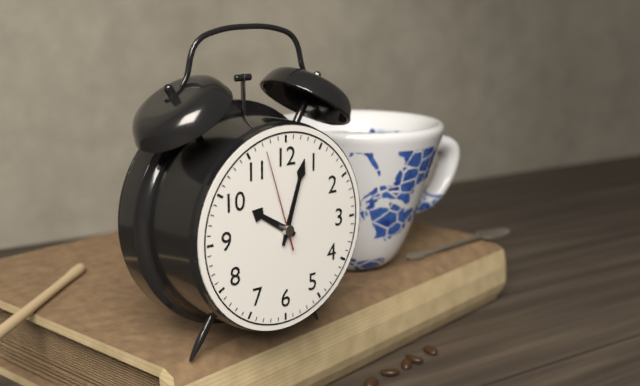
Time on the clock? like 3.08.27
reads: 10.03.57
